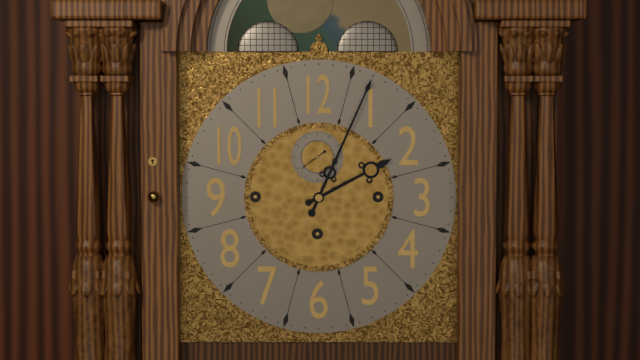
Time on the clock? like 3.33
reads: 2.04
